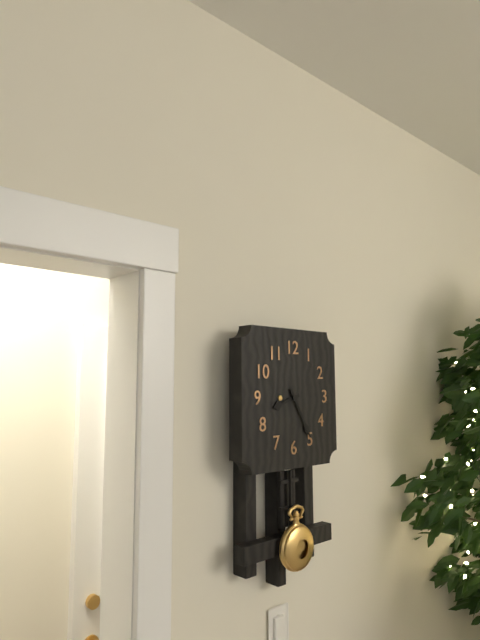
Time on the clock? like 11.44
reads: 8.25
